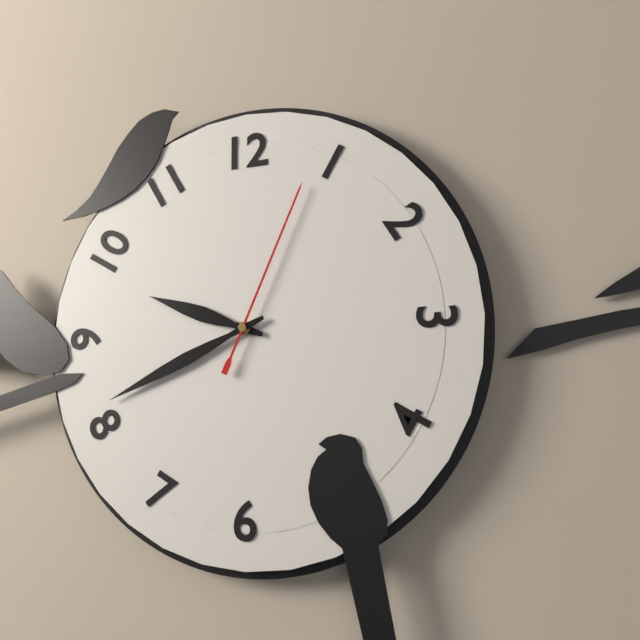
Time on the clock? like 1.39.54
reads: 9.41.04
